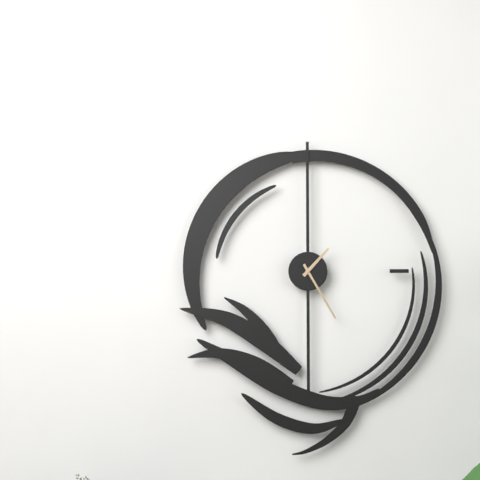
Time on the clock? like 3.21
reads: 1.25
